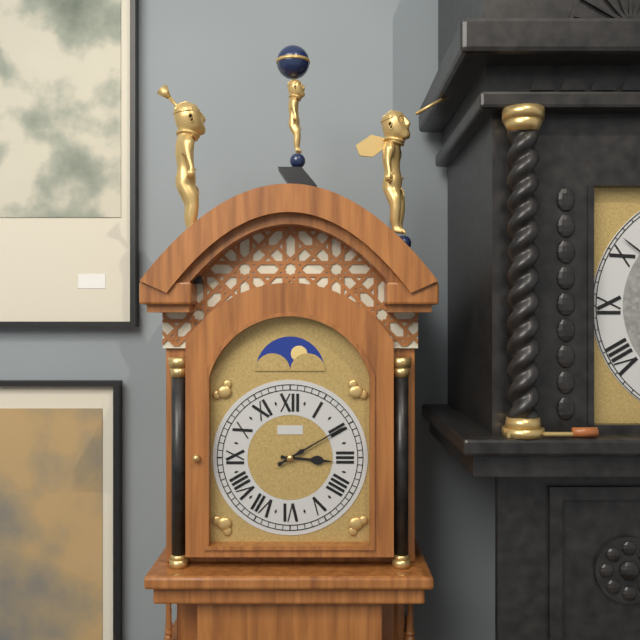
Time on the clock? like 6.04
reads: 3.10
